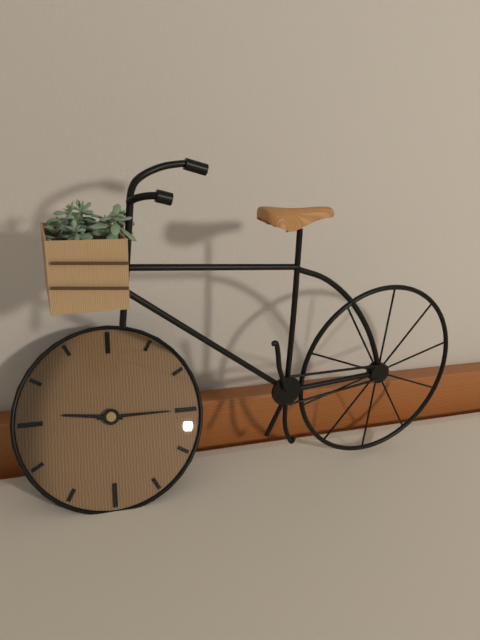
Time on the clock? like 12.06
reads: 9.15
